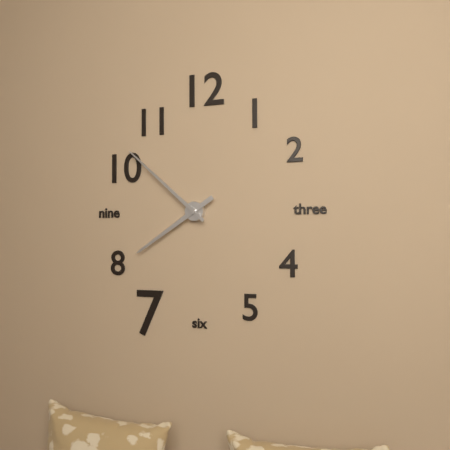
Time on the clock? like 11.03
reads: 7.52
